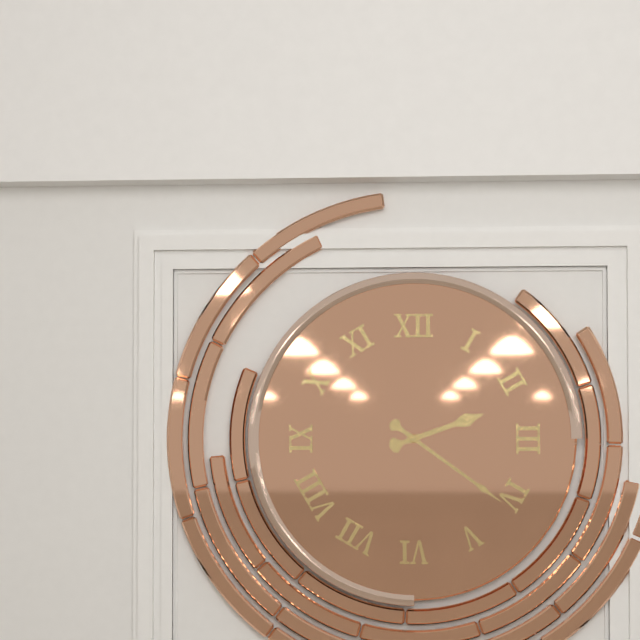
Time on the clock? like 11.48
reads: 2.21
